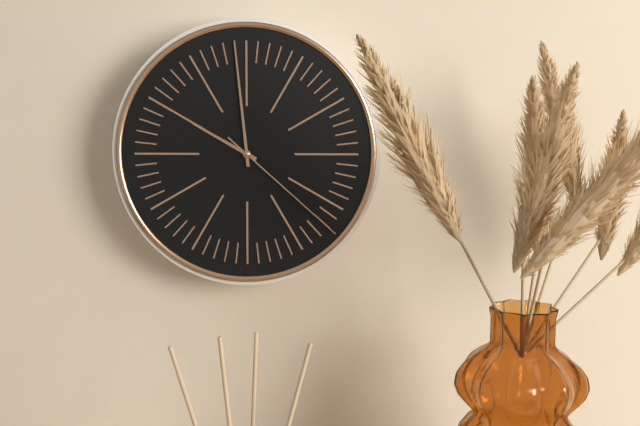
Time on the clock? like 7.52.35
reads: 9.59.22
